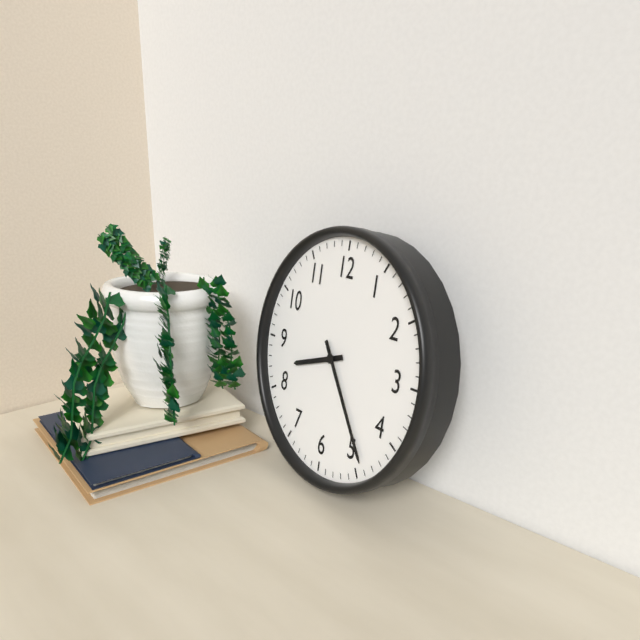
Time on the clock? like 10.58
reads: 8.24
